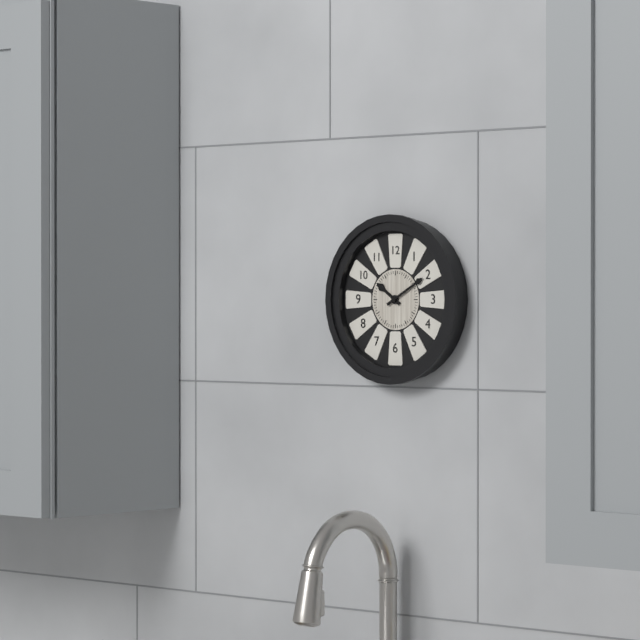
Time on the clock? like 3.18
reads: 10.10
